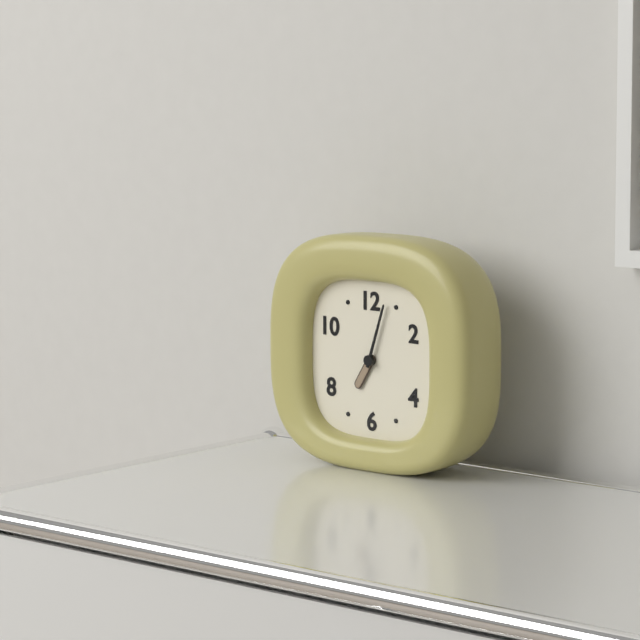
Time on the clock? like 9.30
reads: 7.03
